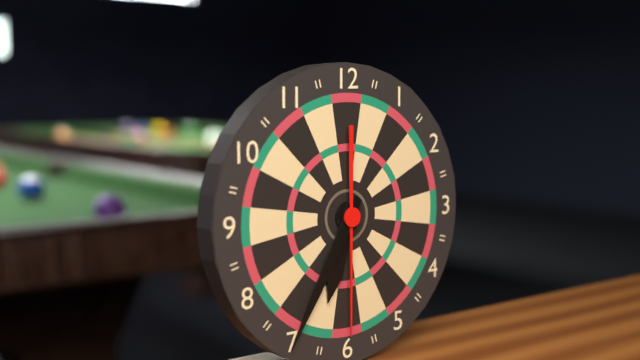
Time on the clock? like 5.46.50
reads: 6.35.30
